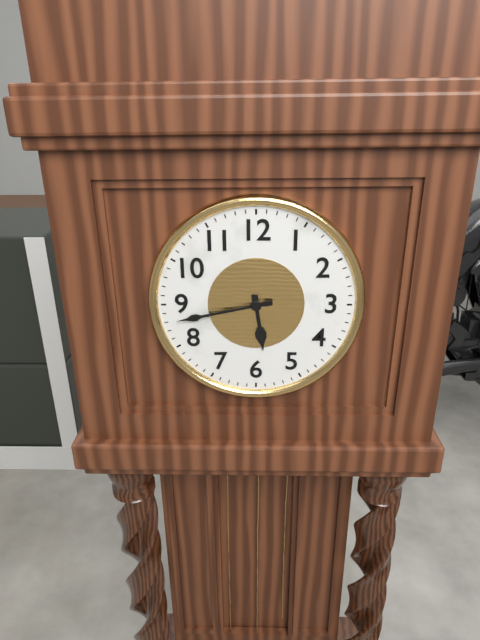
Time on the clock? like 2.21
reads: 5.43
